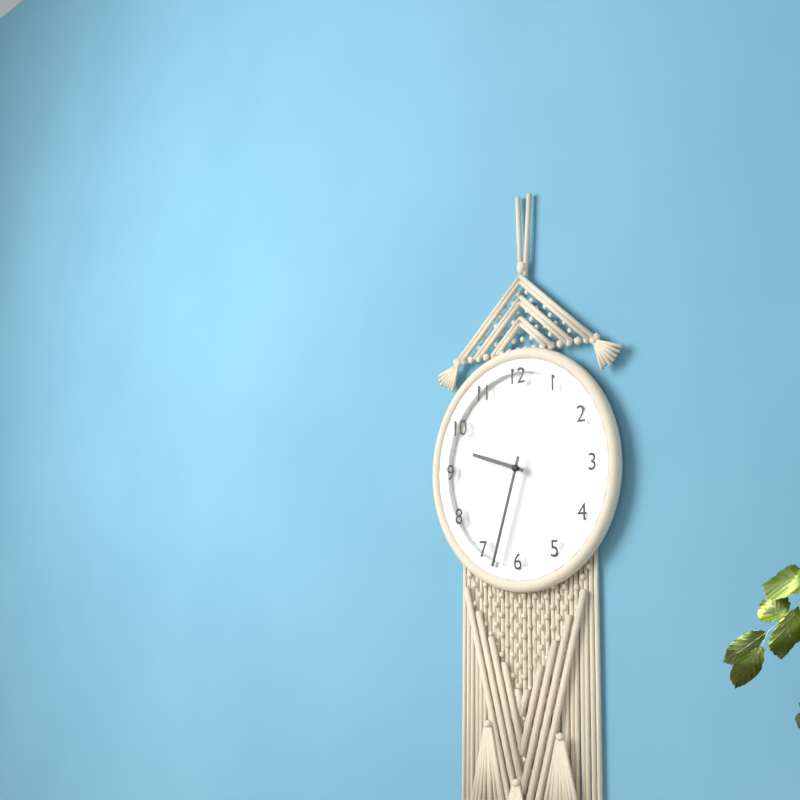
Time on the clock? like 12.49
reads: 9.33
